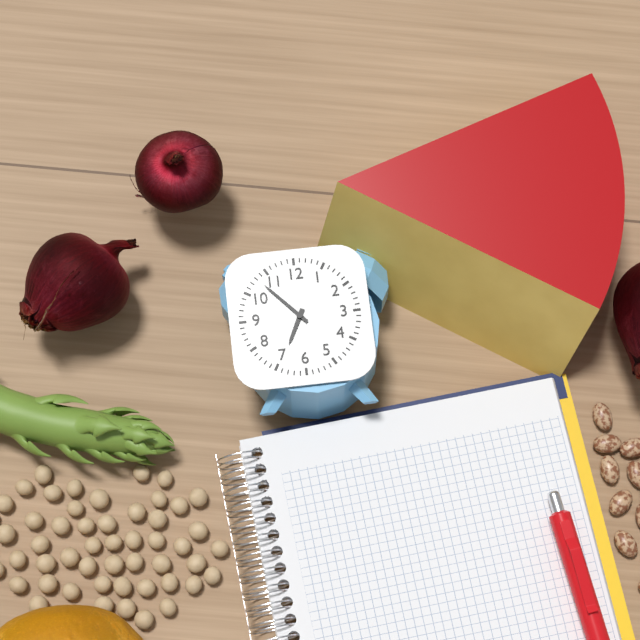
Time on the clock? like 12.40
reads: 6.53
